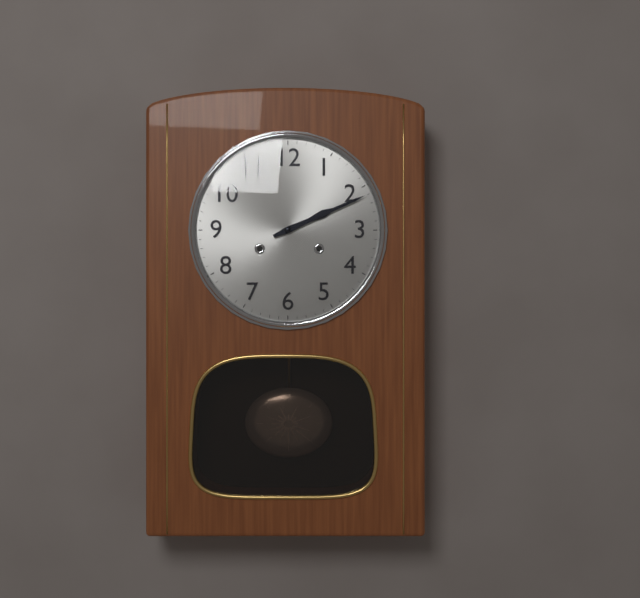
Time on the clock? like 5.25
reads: 2.11
